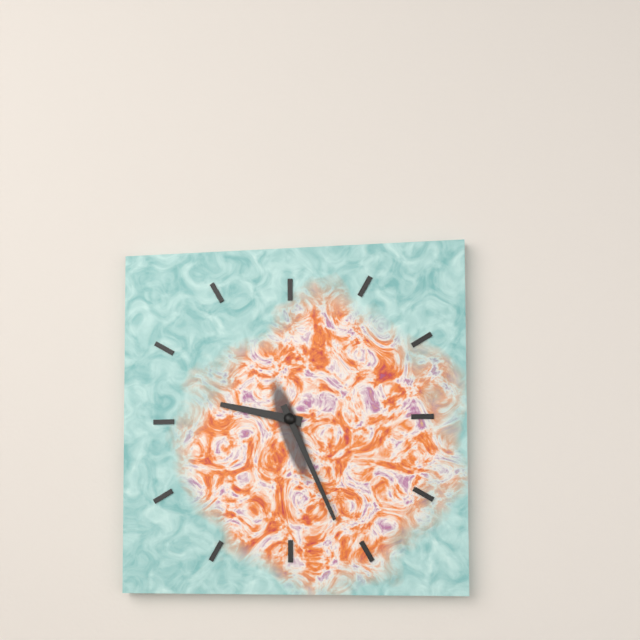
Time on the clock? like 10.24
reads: 9.26
